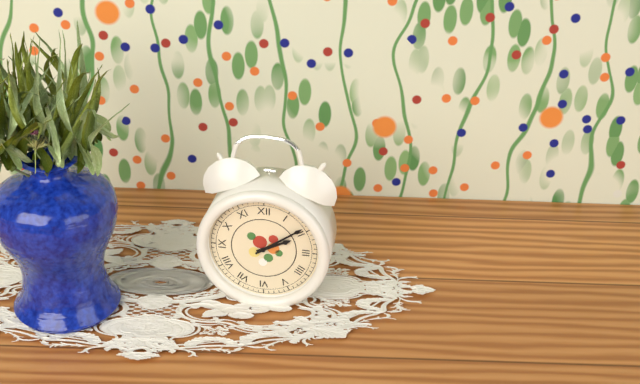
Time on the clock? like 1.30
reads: 2.09
